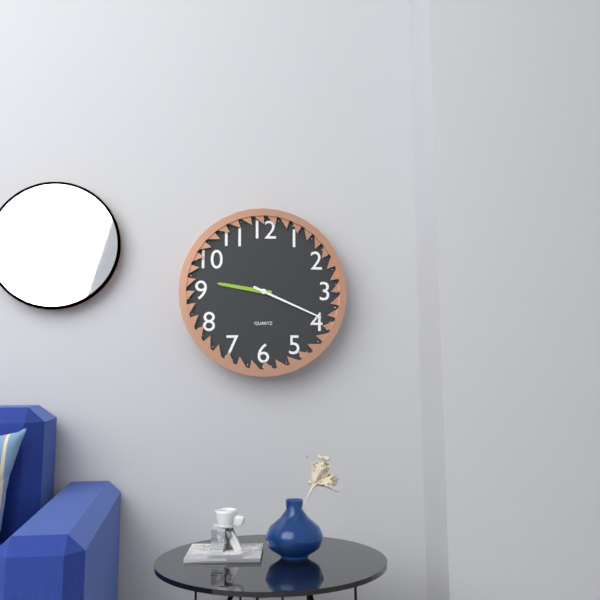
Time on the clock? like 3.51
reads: 9.19
